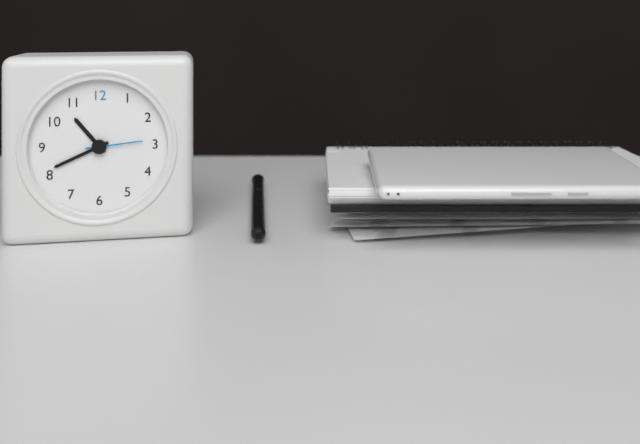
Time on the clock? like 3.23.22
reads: 10.41.14
